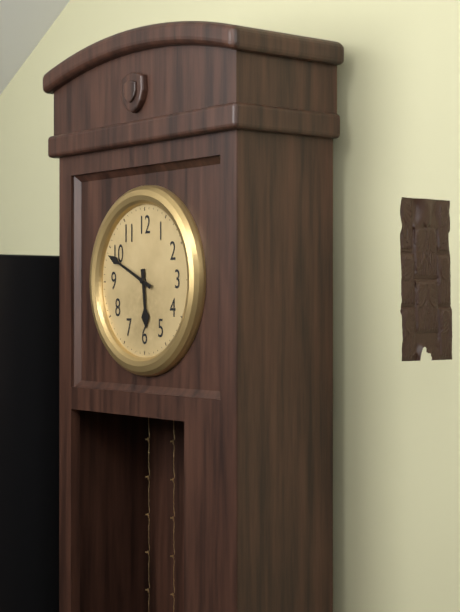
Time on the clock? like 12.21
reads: 5.49
